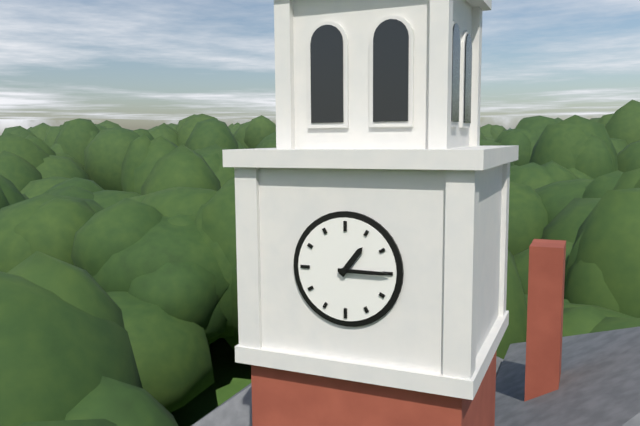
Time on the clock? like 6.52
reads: 1.15
